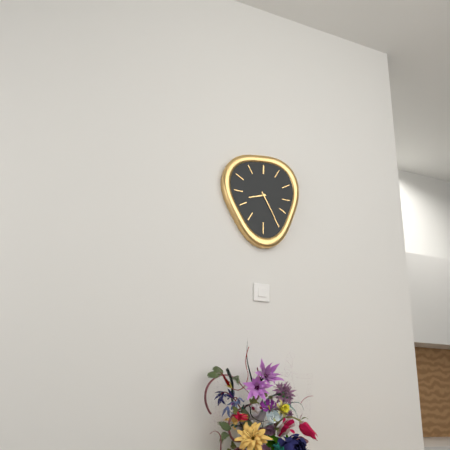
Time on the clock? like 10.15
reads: 8.25
